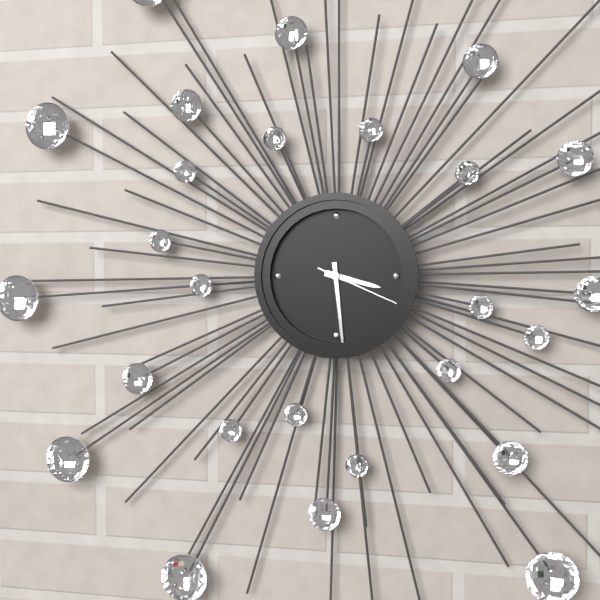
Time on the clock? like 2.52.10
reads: 3.29.19
